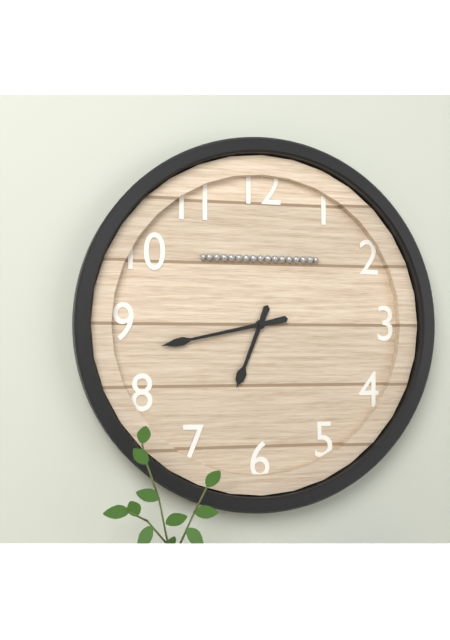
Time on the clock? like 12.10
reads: 6.43
